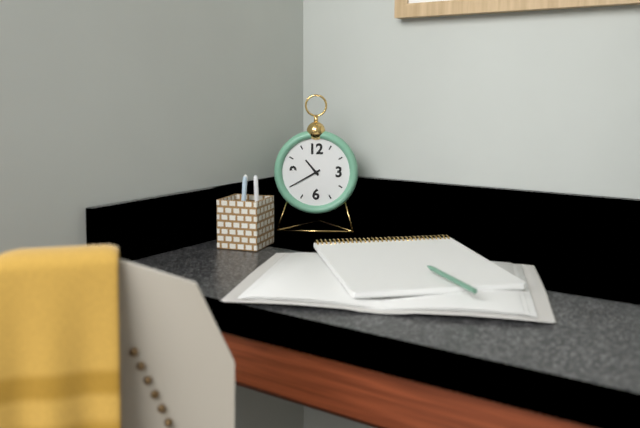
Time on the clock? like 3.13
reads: 10.40
